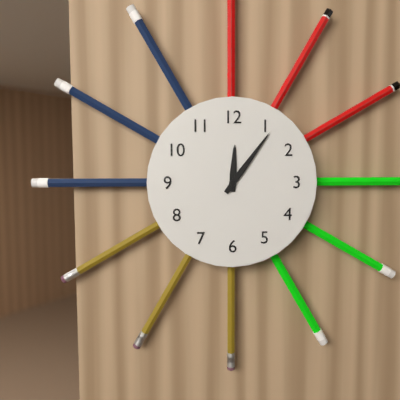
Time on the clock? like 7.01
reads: 12.06
